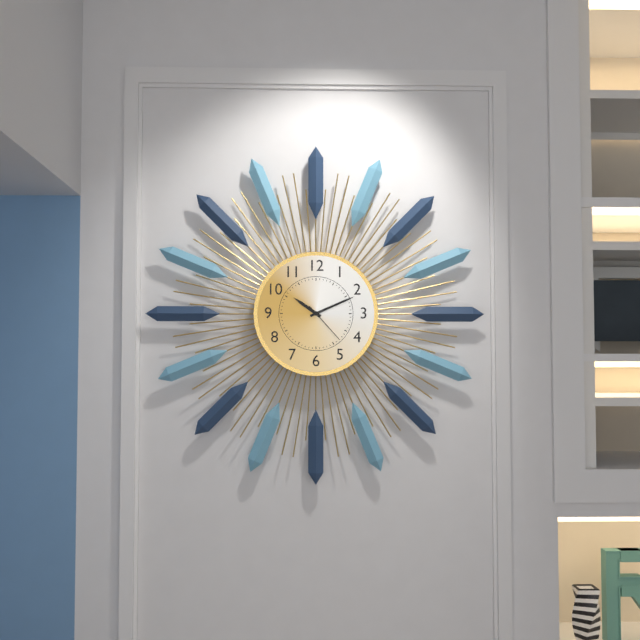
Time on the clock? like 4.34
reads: 10.11
